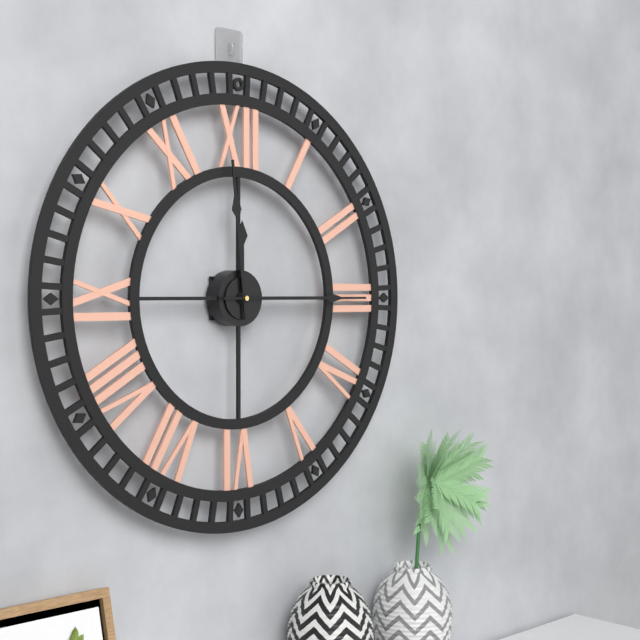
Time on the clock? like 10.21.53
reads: 11.59.15
